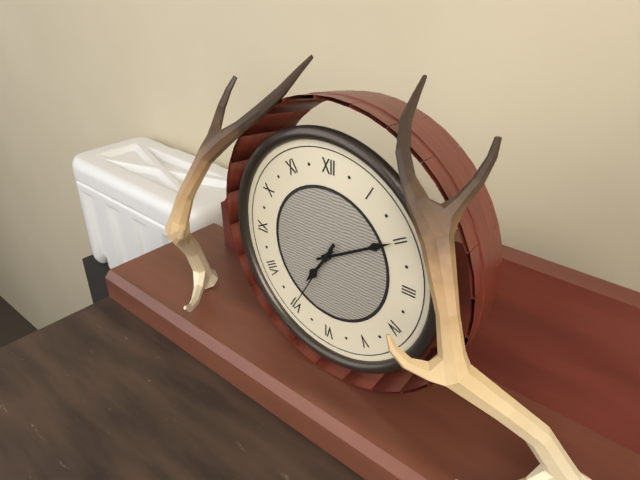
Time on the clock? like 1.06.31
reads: 7.10.35
